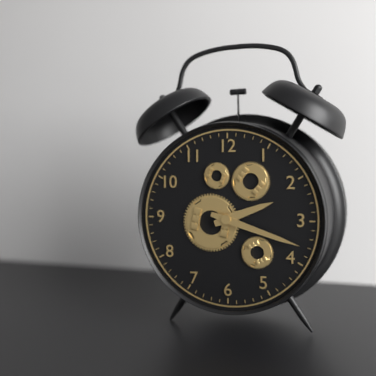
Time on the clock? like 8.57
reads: 2.18
